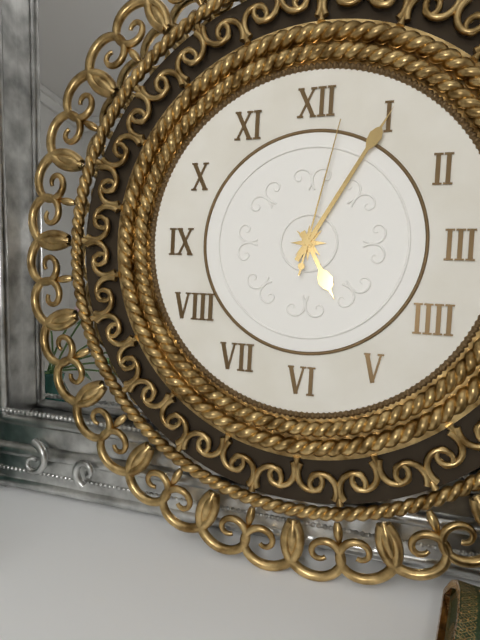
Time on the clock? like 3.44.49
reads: 5.05.02
